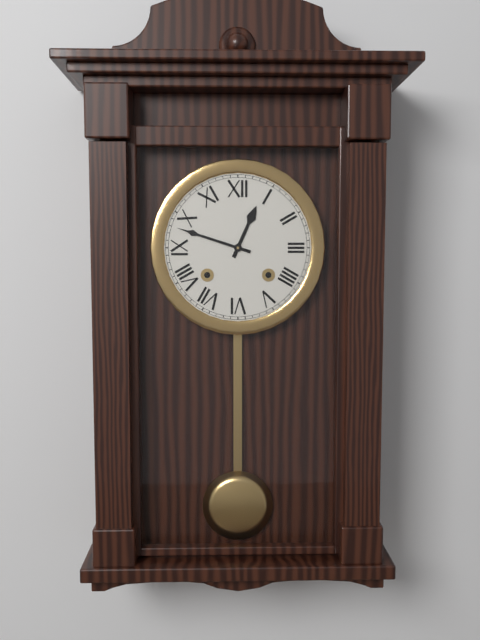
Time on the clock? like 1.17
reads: 12.48
